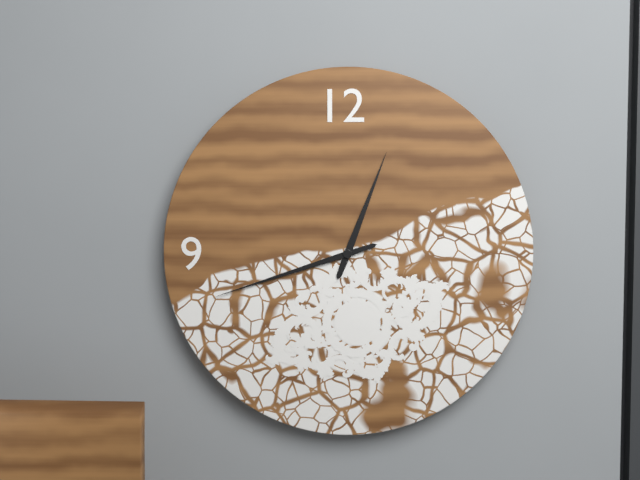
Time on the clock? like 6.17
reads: 12.42
